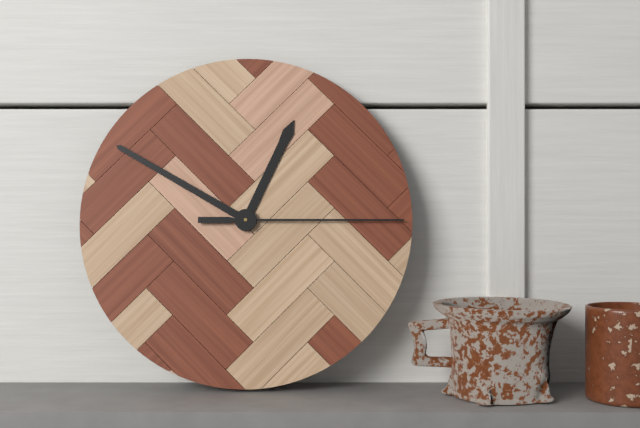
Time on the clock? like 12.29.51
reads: 12.50.15
